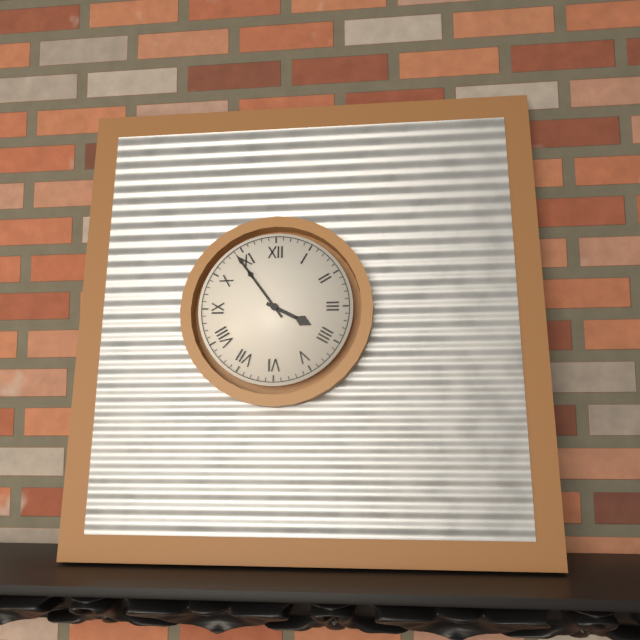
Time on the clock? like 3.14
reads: 3.54
